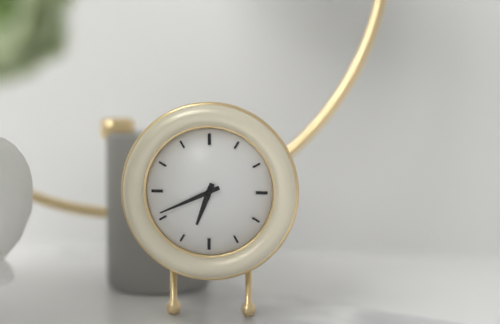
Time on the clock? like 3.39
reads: 6.41
